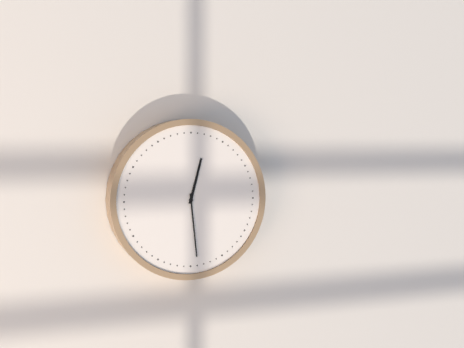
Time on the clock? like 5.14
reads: 12.29
